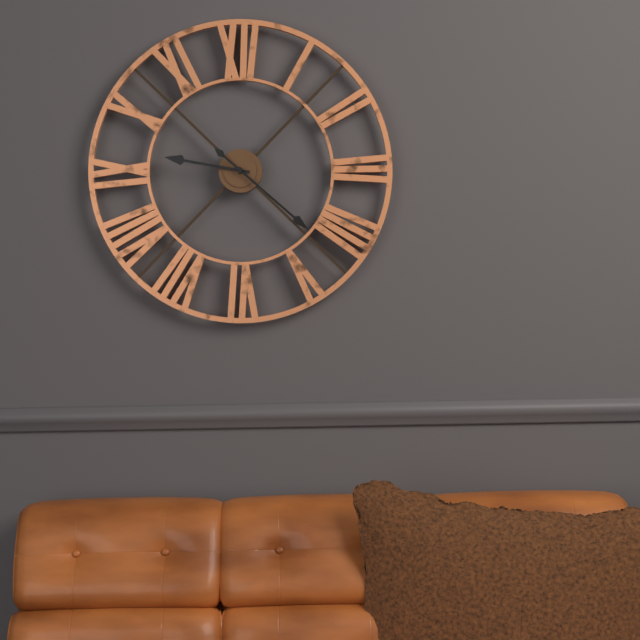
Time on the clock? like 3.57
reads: 9.22
